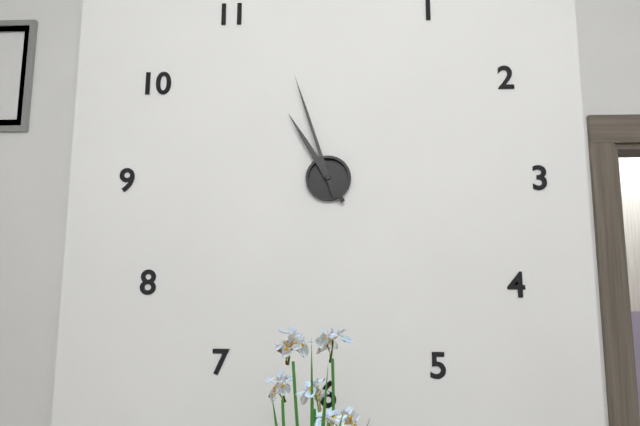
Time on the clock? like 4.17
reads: 10.57
